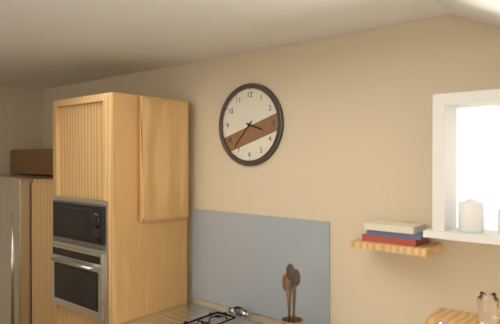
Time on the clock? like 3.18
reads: 3.37
